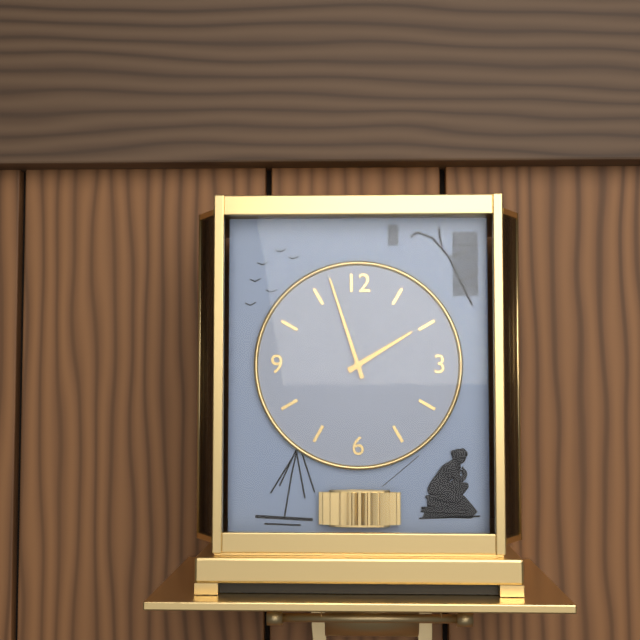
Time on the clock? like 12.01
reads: 1.57
